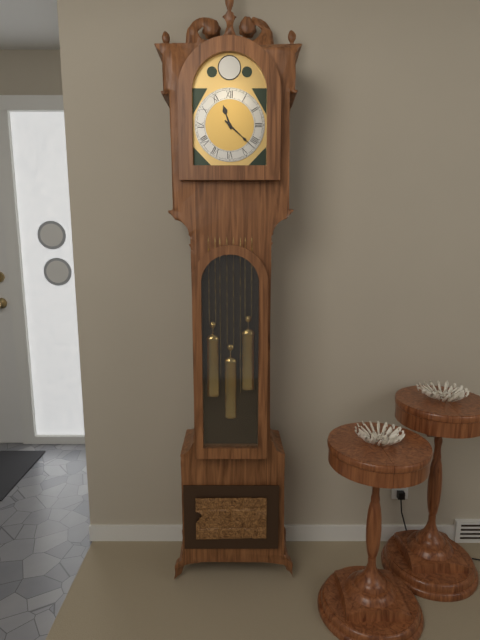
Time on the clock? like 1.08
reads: 11.22
